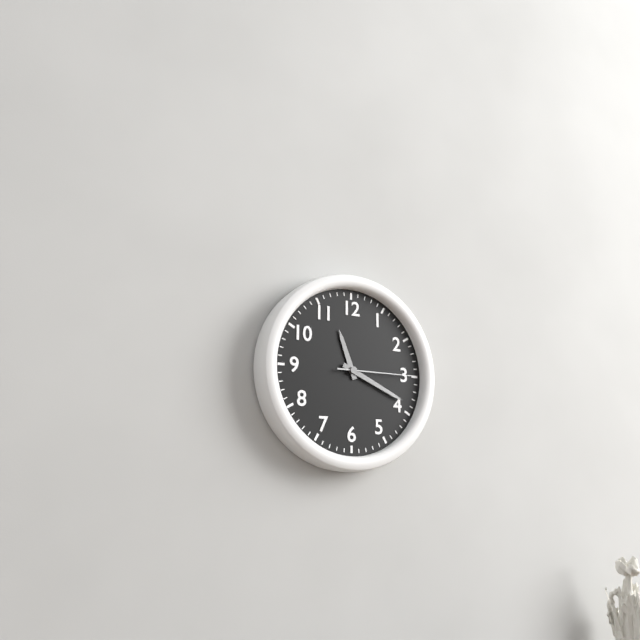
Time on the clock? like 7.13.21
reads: 11.19.15
